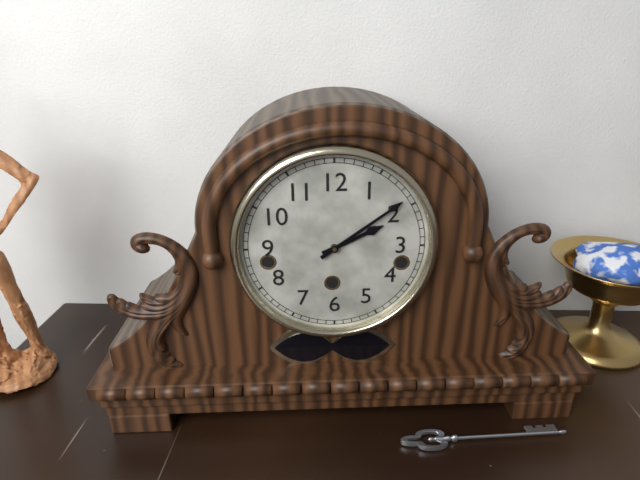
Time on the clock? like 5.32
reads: 2.09
